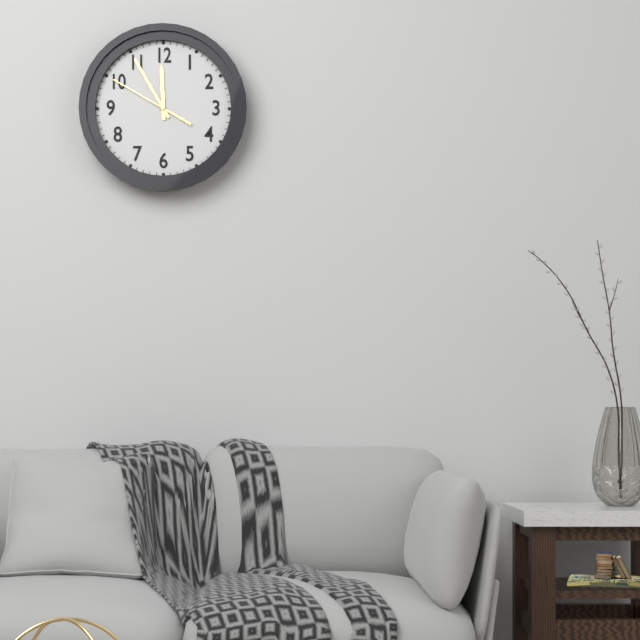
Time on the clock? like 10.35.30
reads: 11.55.50
